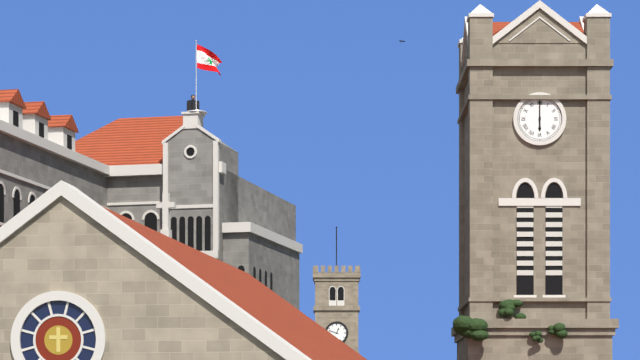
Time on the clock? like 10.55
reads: 6.00
